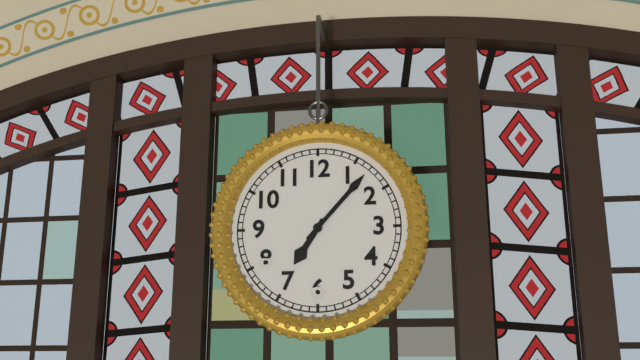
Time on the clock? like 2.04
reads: 7.07
